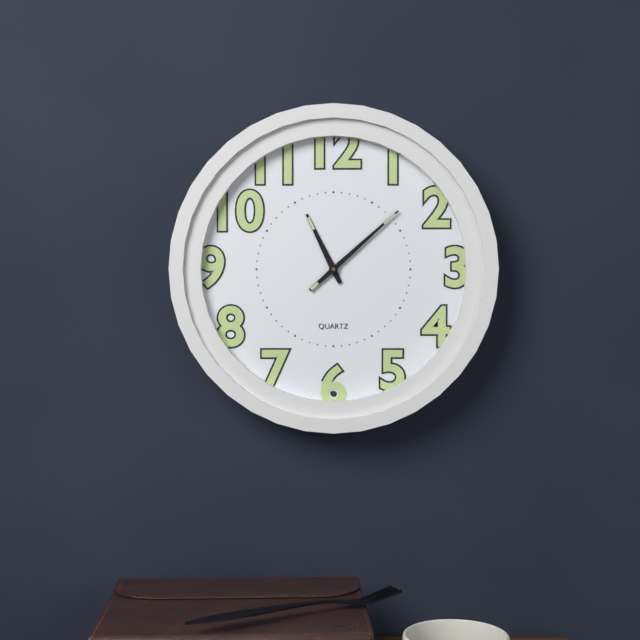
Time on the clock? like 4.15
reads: 11.08
